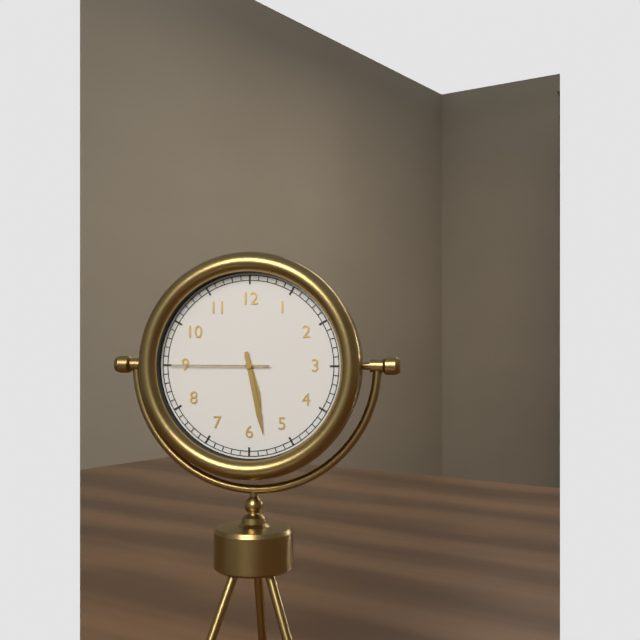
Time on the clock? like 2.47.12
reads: 5.28.45
